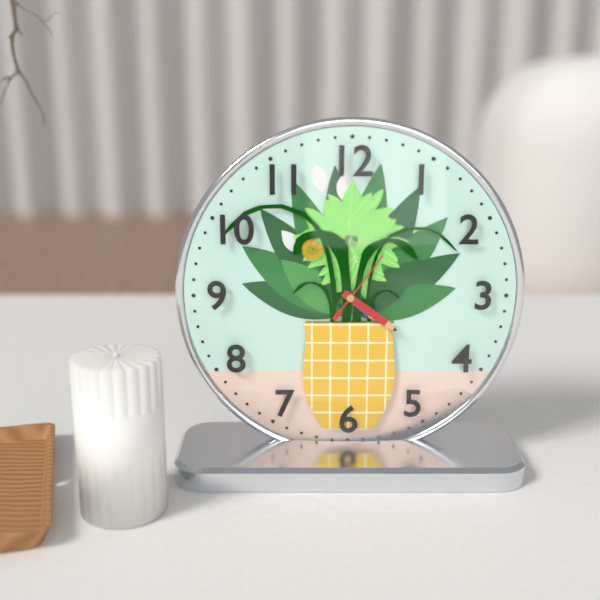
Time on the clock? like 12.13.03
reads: 4.21.06
